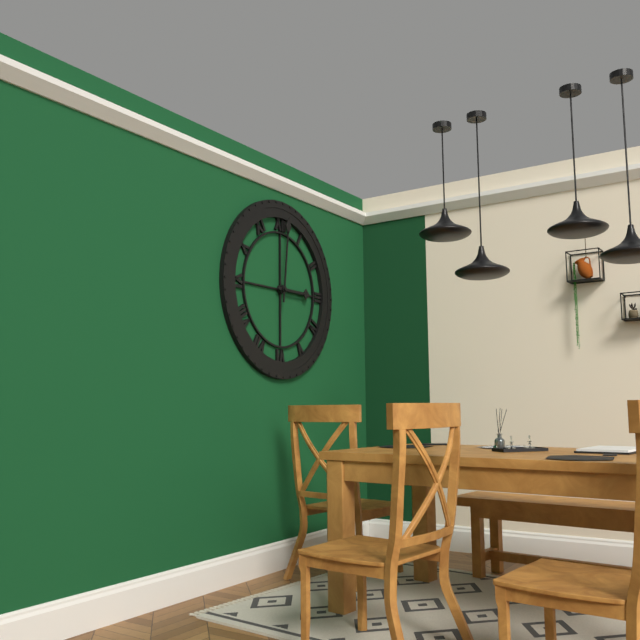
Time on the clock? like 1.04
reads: 3.01
